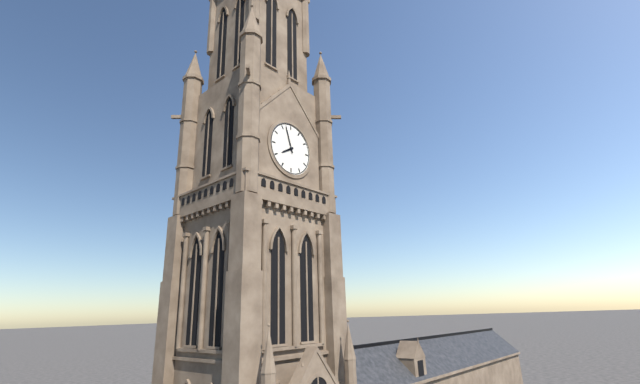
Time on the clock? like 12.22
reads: 7.57
